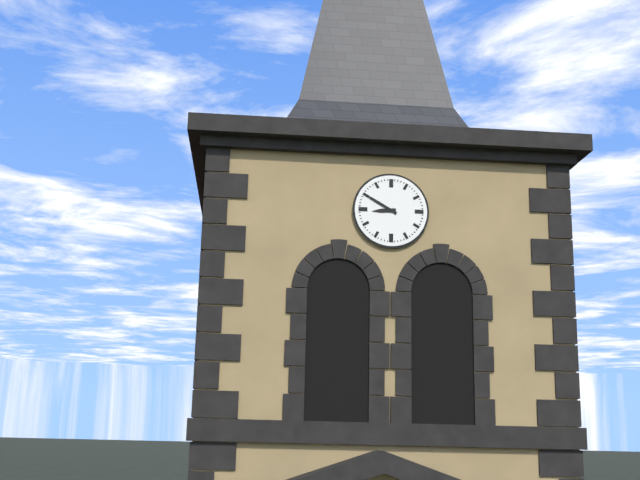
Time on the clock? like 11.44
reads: 8.50
